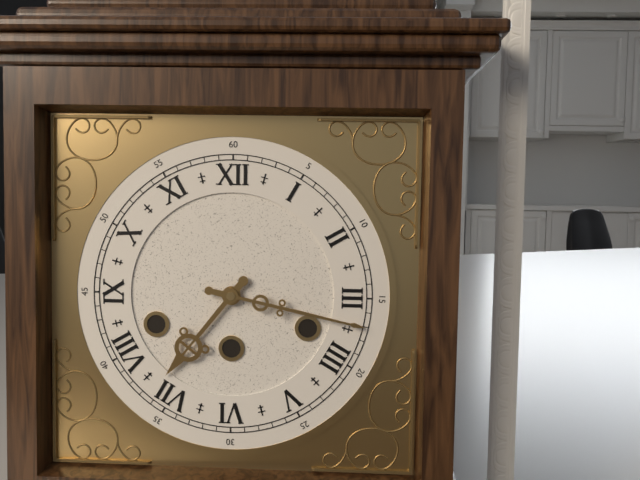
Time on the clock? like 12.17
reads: 7.17
